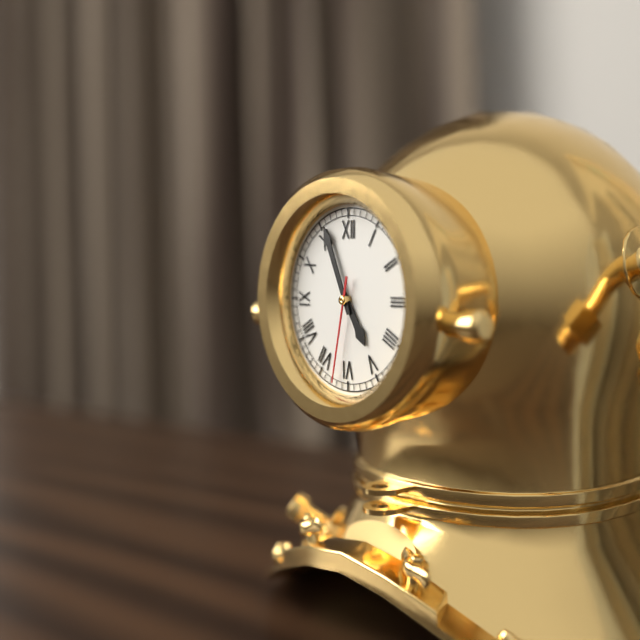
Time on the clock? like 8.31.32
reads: 4.56.32
